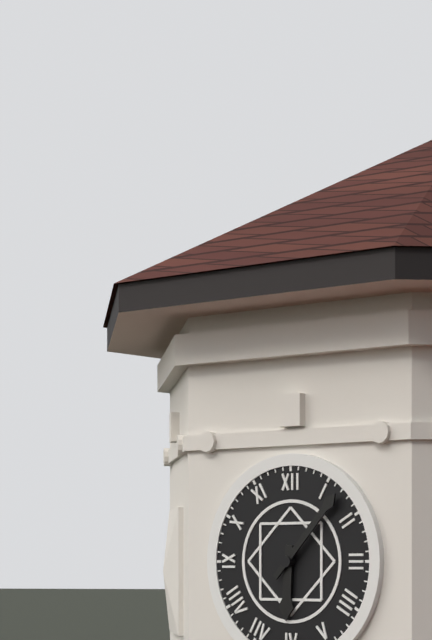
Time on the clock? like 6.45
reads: 6.07
